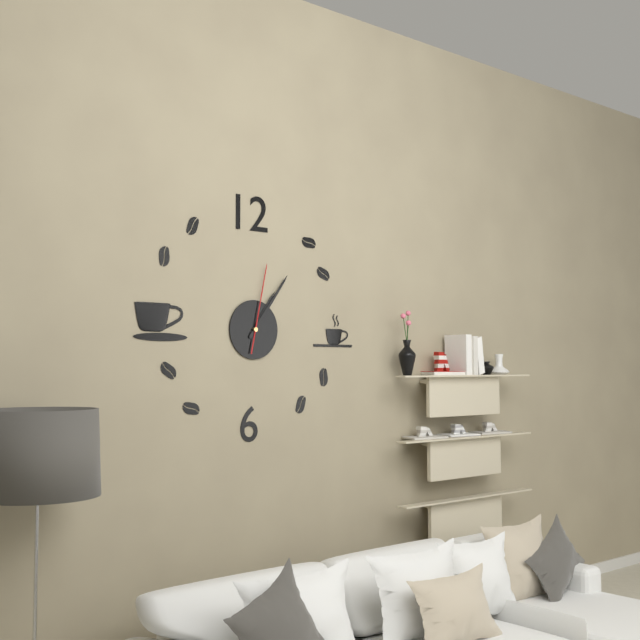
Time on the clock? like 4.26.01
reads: 1.06.02
